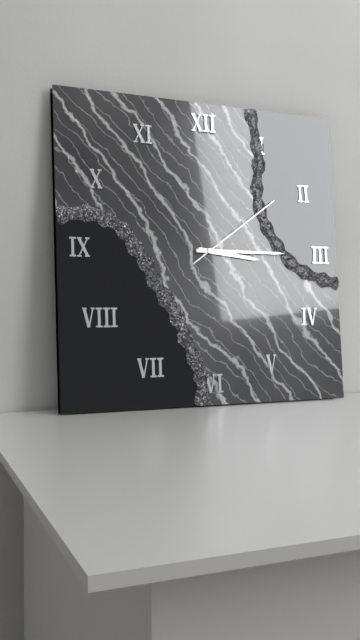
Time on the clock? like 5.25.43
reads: 3.15.09
